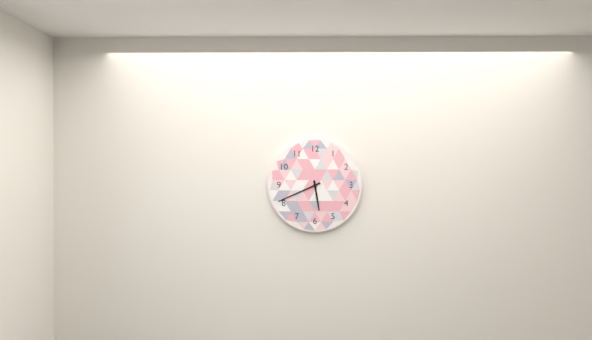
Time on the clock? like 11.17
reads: 5.41
